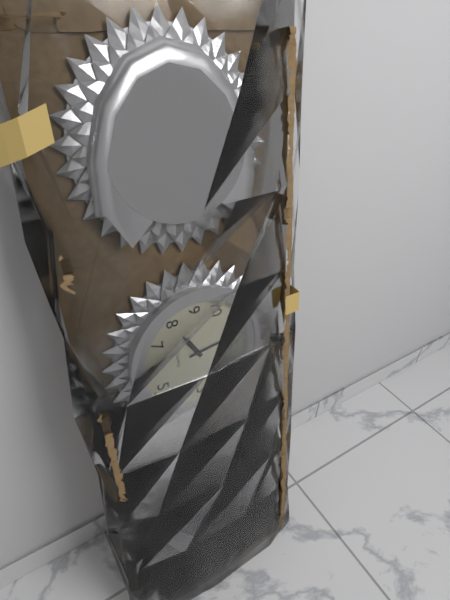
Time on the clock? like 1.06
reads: 7.59
